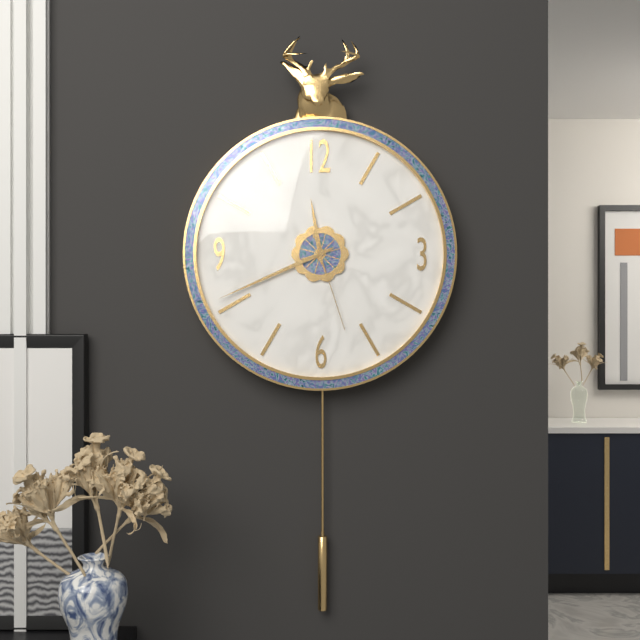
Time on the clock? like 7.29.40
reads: 11.41.27
